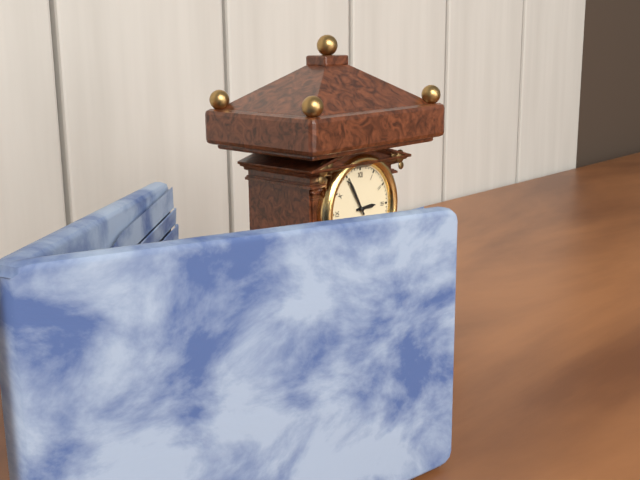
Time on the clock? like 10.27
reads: 2.55
